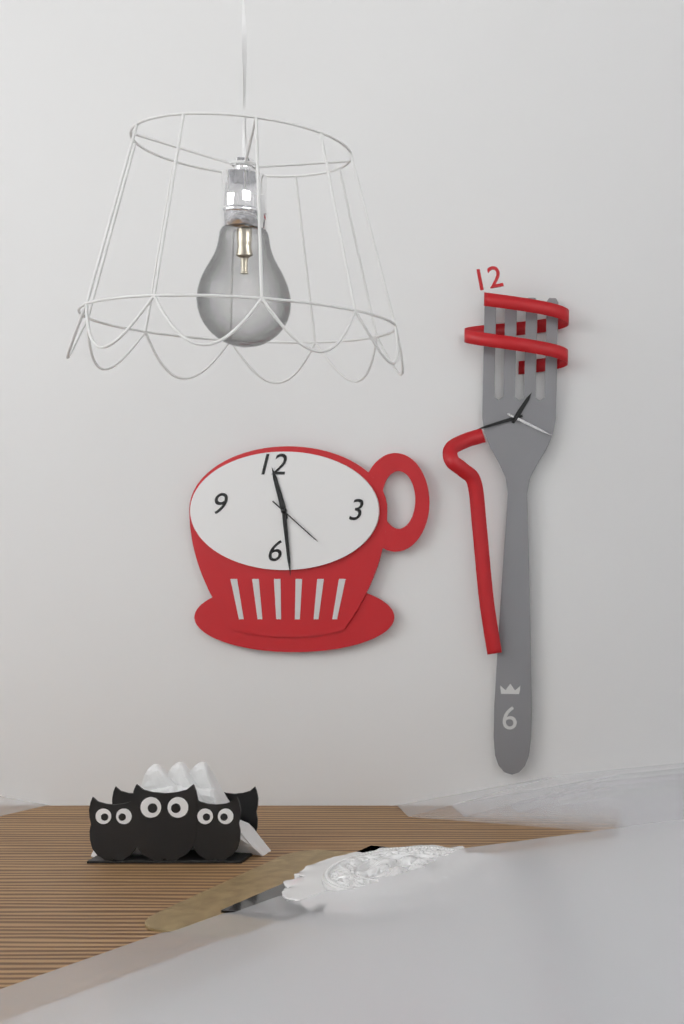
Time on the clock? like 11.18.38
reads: 11.29.22
